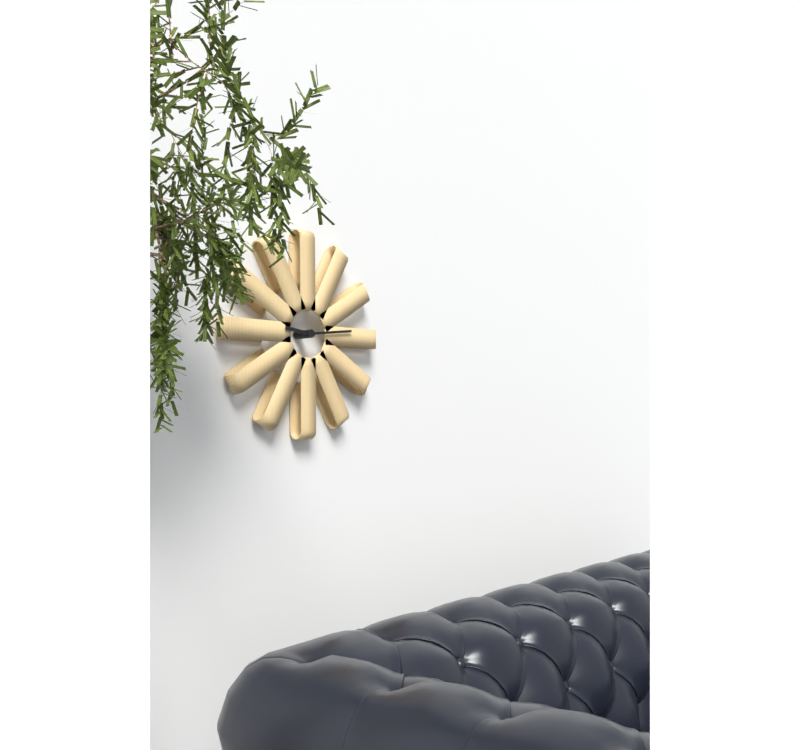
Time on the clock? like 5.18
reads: 9.14
